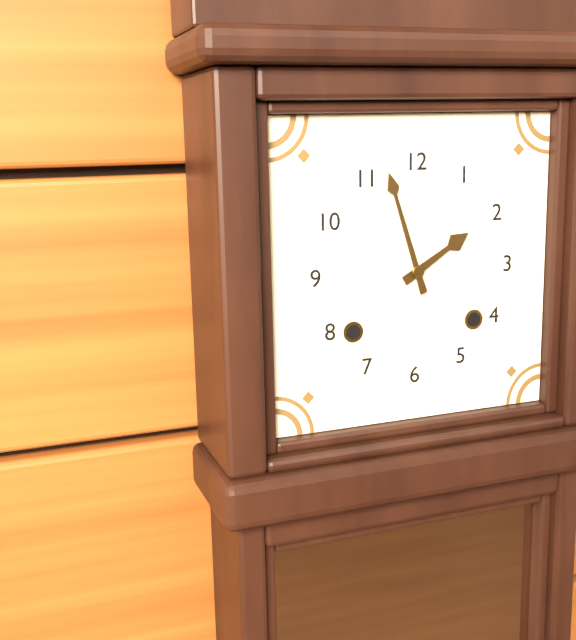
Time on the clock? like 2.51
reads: 1.57
